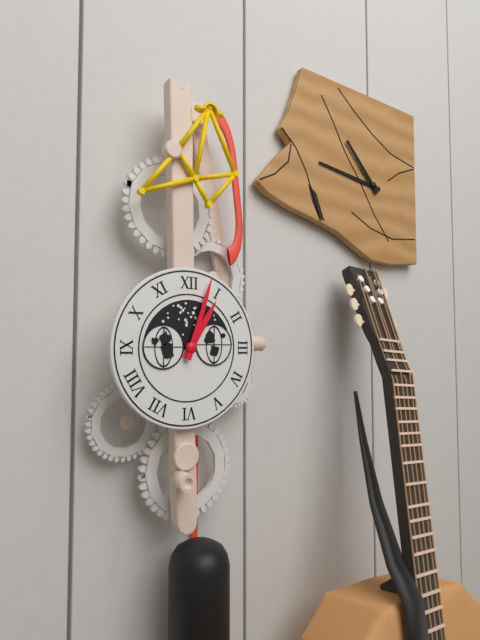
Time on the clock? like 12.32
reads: 1.03
